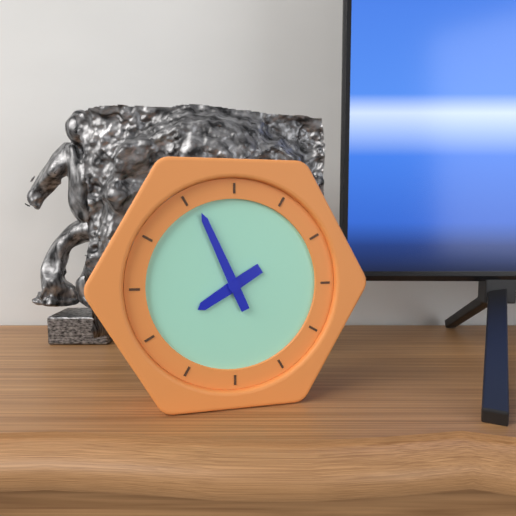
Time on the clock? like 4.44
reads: 7.56
